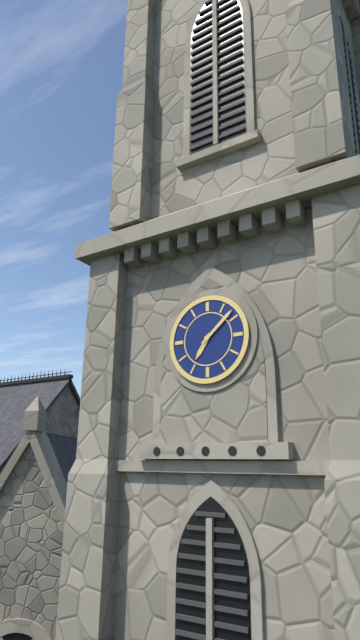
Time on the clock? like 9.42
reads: 7.08
